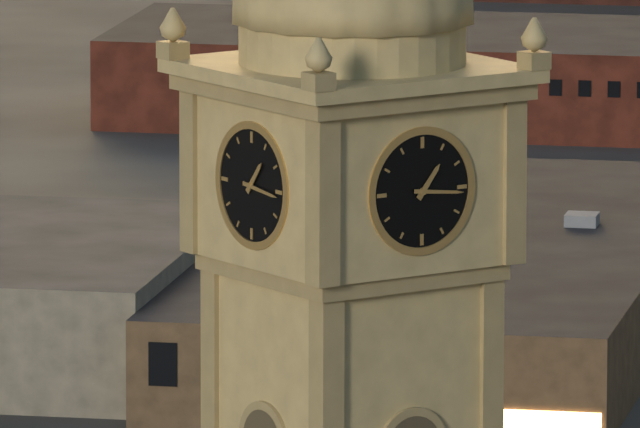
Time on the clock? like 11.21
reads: 1.16
